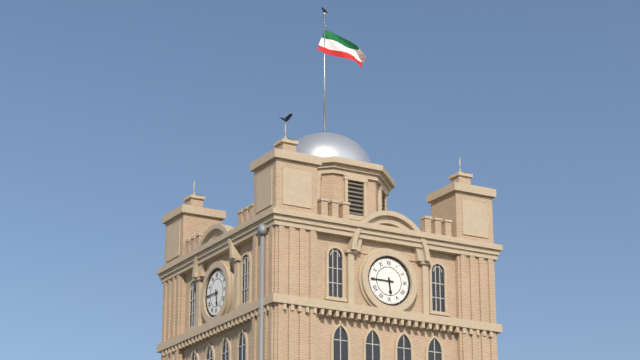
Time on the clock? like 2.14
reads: 5.45
